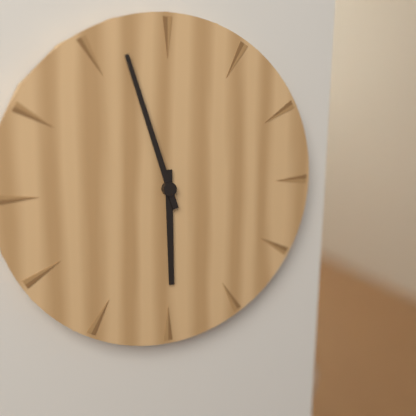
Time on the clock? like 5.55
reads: 5.57
